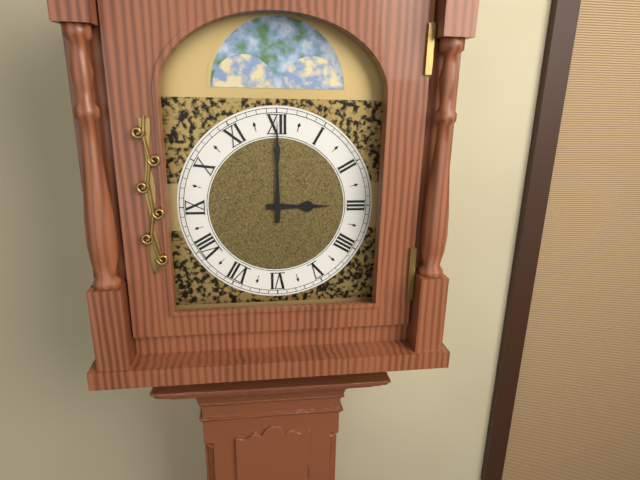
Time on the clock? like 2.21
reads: 3.00
